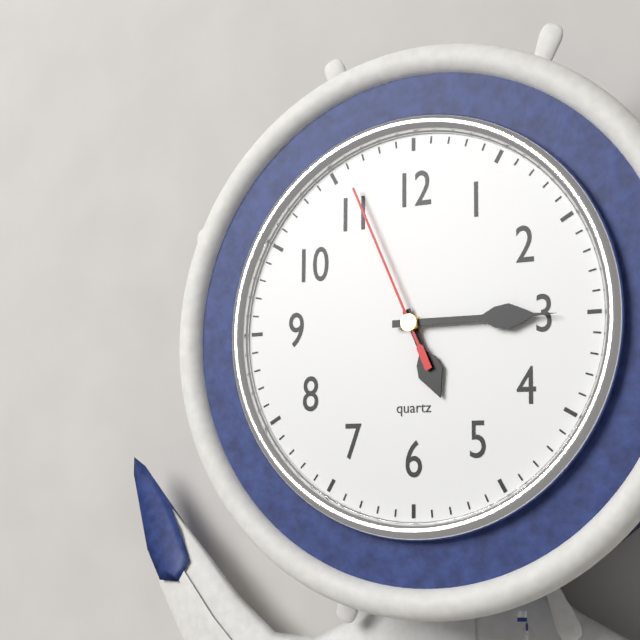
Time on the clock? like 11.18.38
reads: 5.15.56
